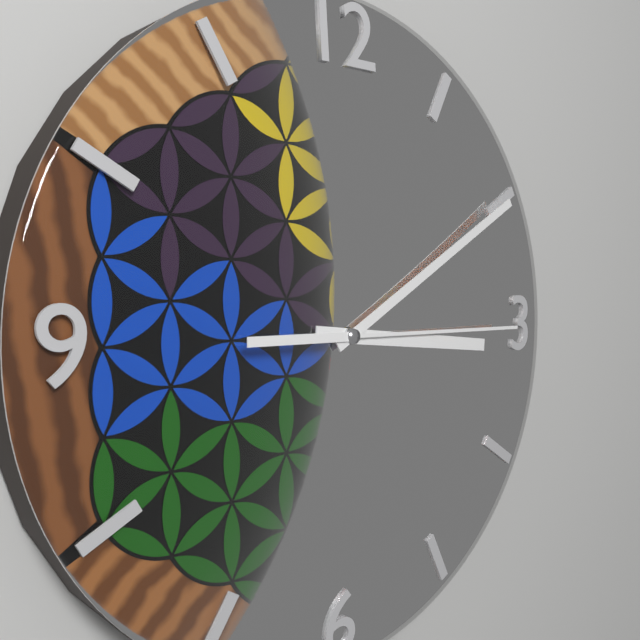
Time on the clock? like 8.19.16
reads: 3.10.15
